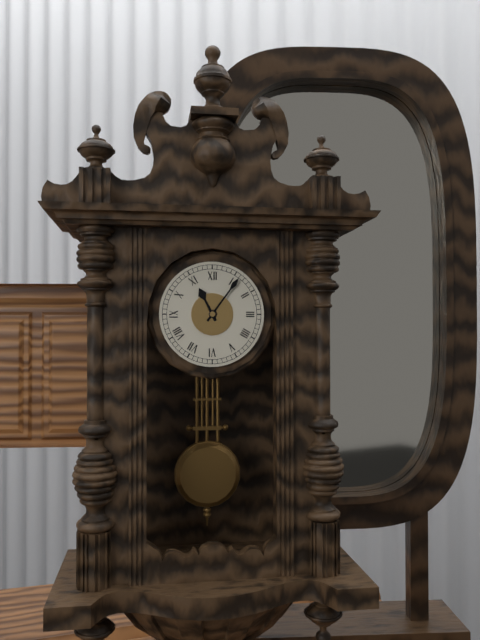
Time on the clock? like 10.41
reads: 11.06
